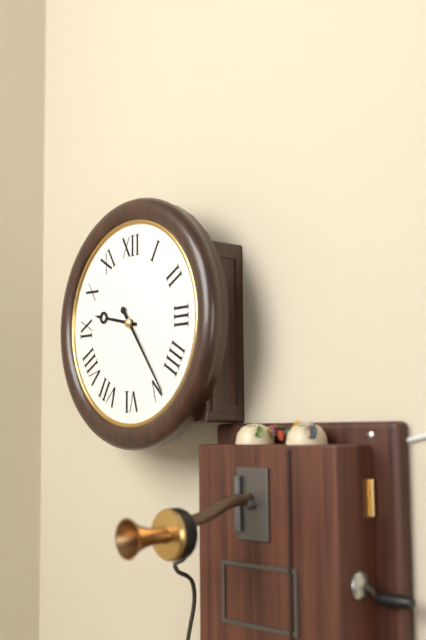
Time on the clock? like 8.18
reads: 9.24
